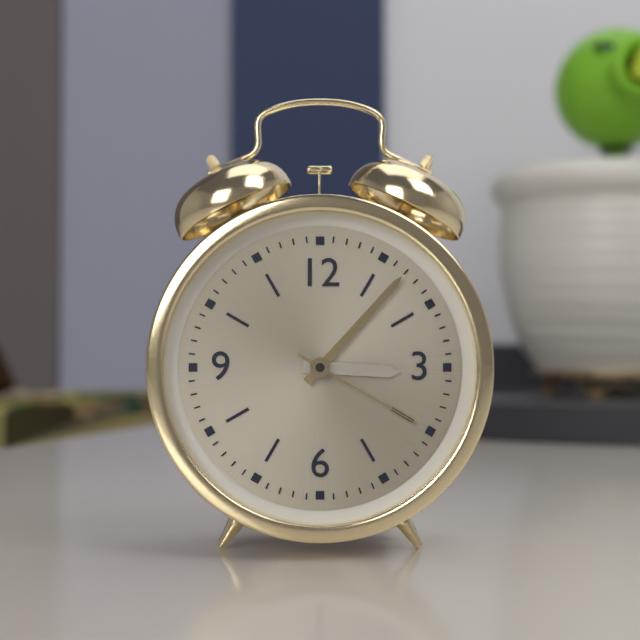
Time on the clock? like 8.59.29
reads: 3.07.20
